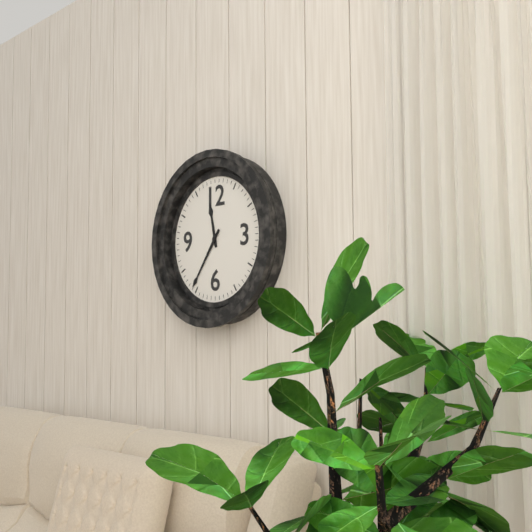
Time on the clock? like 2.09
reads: 11.36
